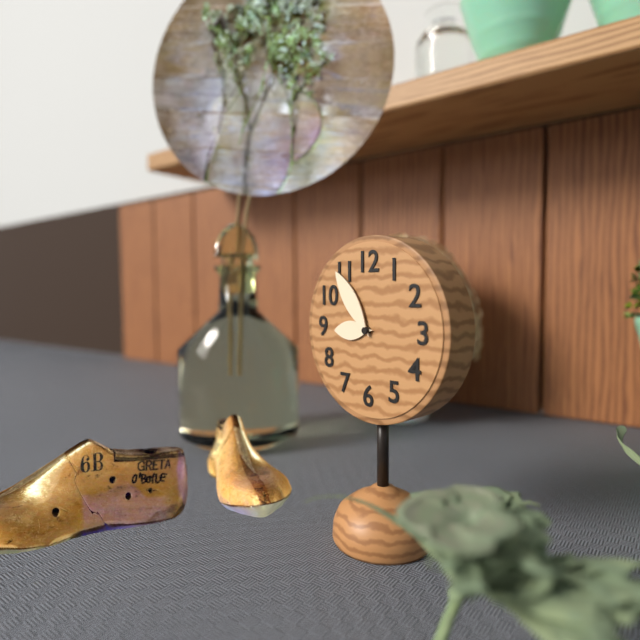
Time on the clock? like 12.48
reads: 8.54
